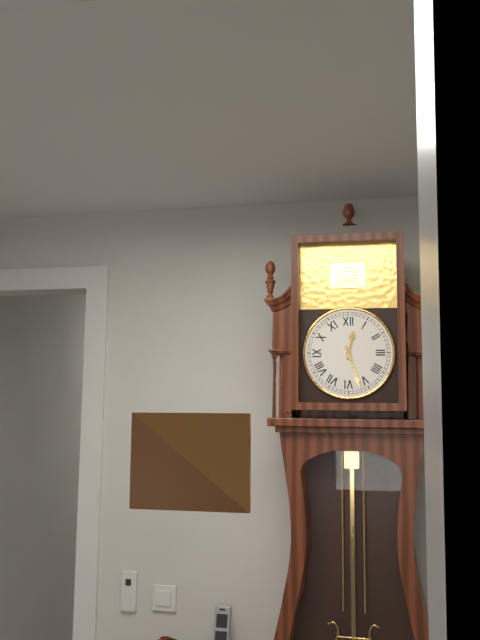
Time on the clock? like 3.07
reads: 12.27
